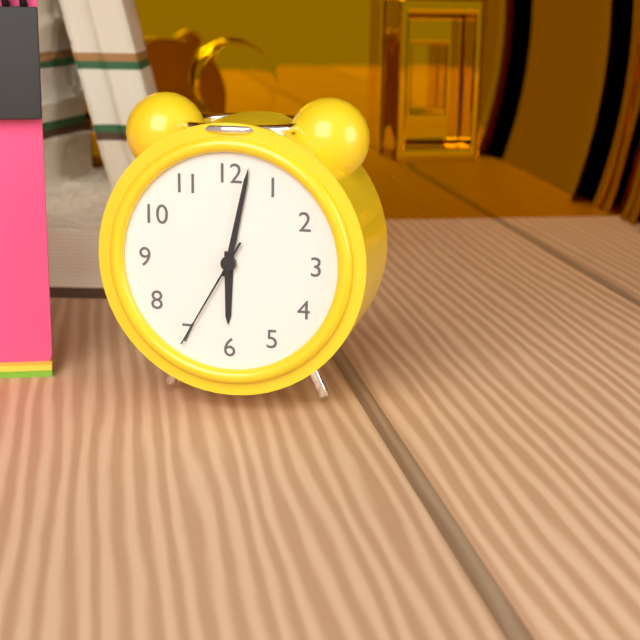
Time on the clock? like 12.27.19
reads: 6.02.35
